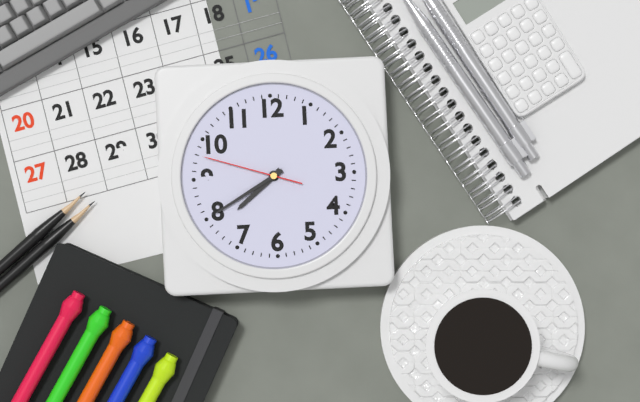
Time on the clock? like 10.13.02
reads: 7.40.48
